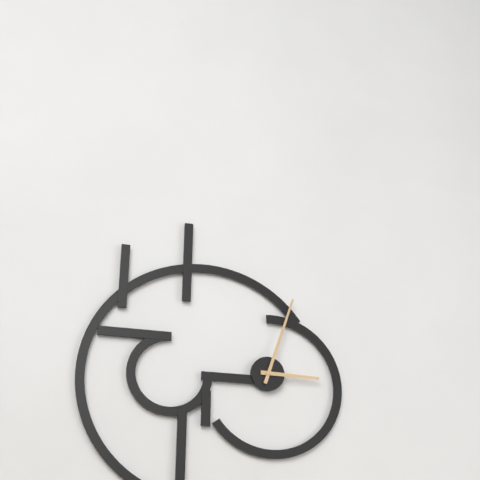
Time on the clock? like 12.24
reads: 3.03
